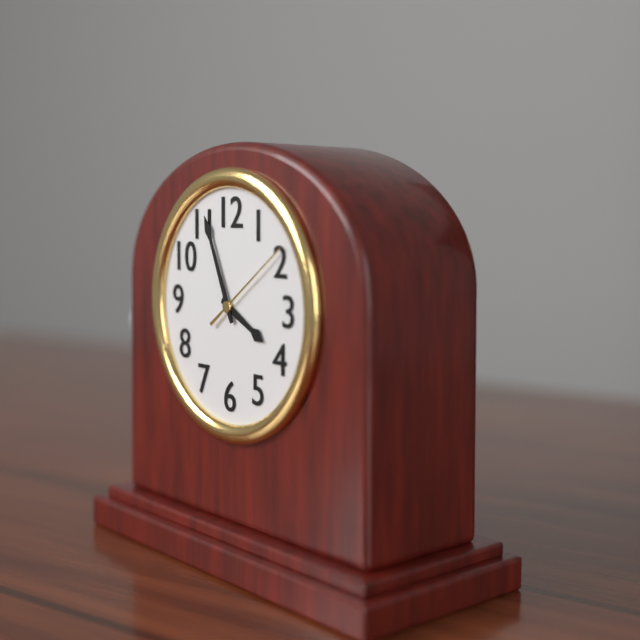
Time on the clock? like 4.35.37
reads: 3.56.09
